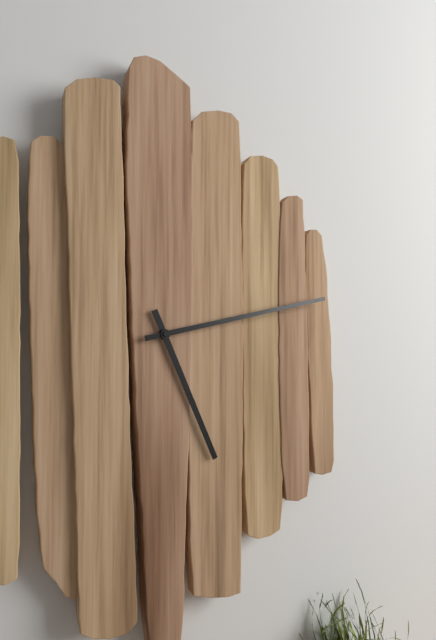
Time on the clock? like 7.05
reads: 5.13
